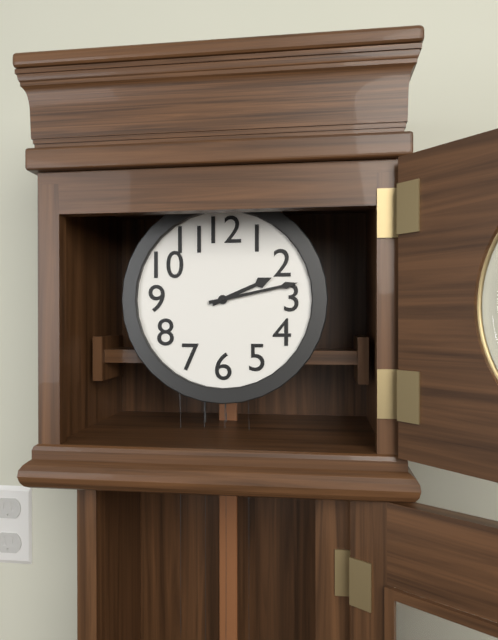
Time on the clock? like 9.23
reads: 2.13
